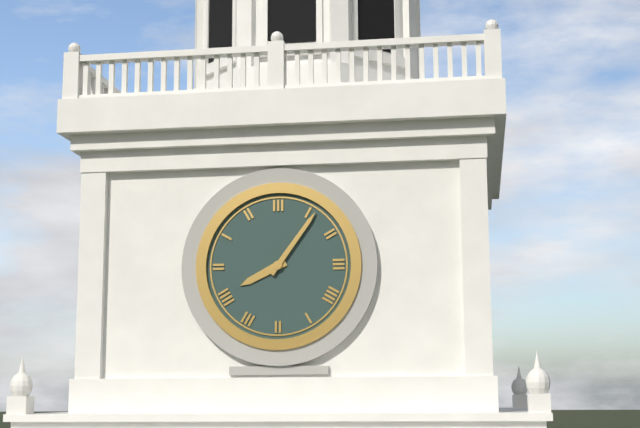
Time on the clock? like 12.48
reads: 8.06
